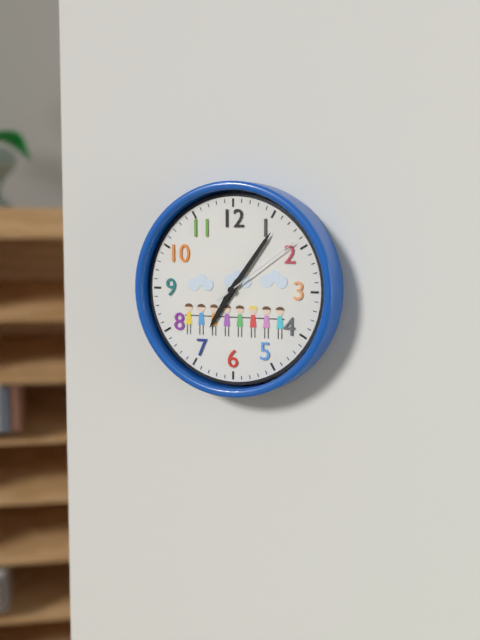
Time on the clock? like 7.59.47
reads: 7.06.09
